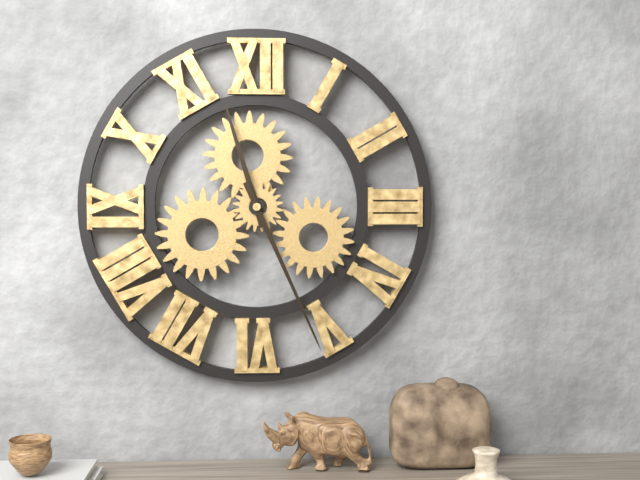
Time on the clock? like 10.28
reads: 11.26
